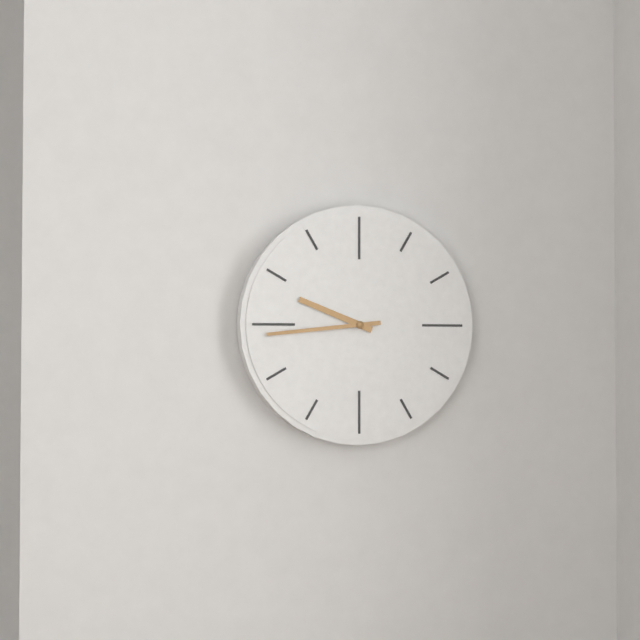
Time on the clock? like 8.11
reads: 9.44
